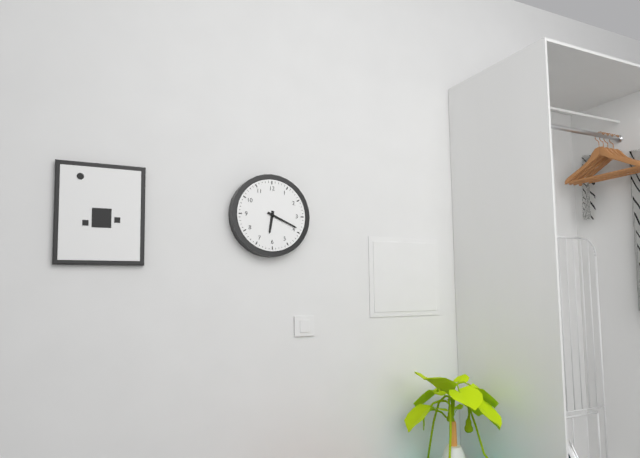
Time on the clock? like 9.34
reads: 6.19
